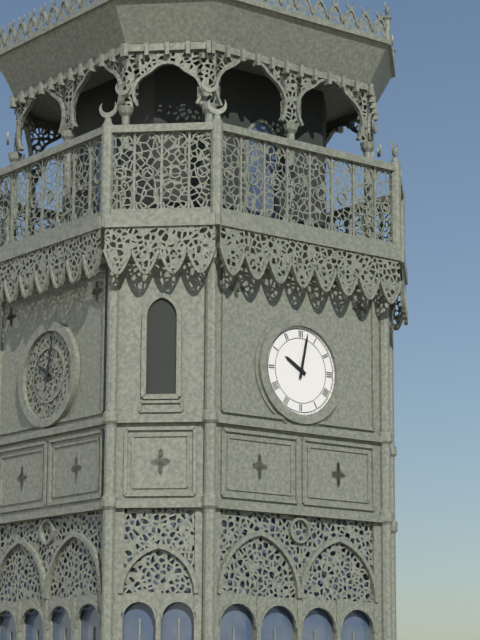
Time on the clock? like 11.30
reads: 10.02
